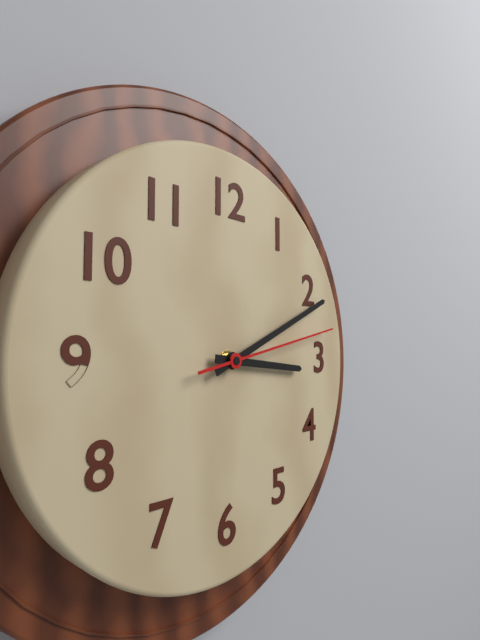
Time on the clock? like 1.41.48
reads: 3.11.13
